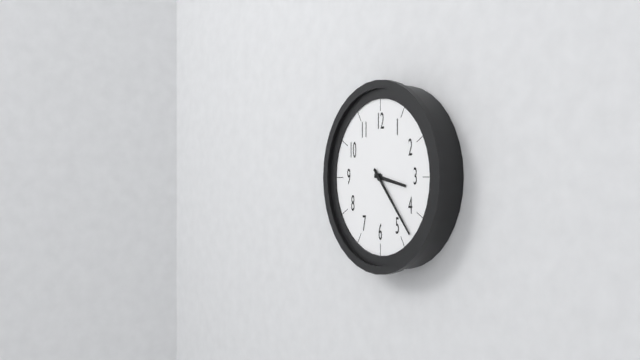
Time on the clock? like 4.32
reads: 3.23
